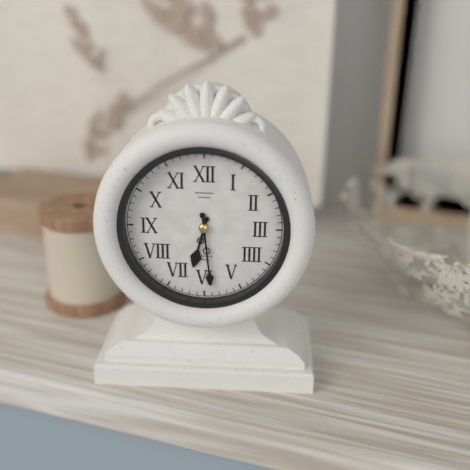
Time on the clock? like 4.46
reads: 6.29
